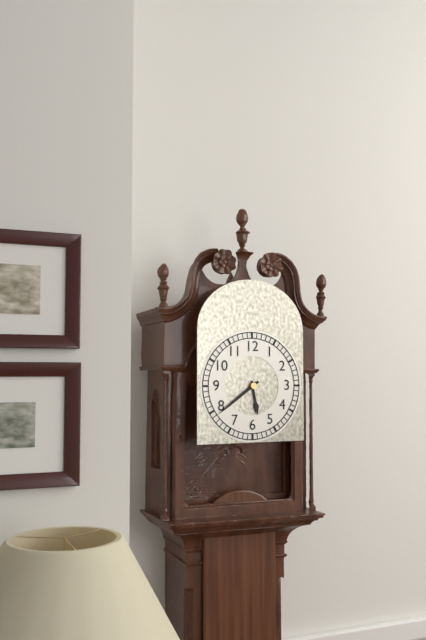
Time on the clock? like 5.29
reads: 5.39
